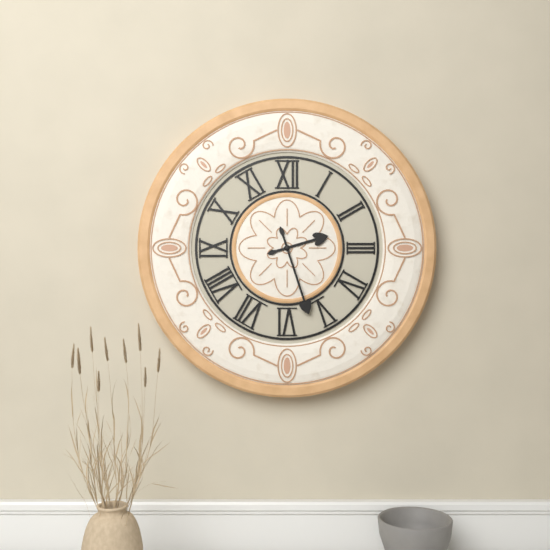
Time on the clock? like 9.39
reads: 2.27
